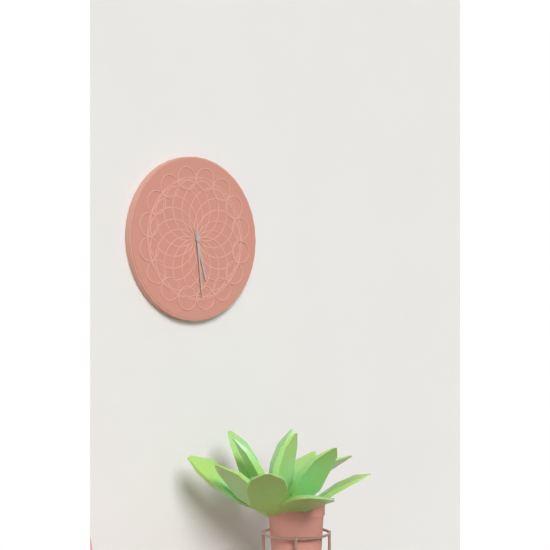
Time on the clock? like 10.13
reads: 5.29
